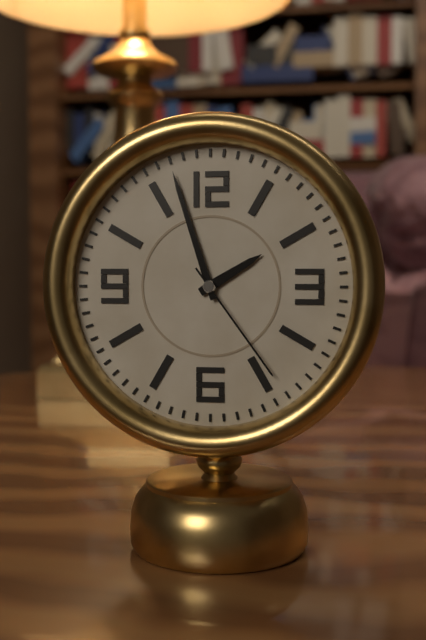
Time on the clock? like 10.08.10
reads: 1.57.24
